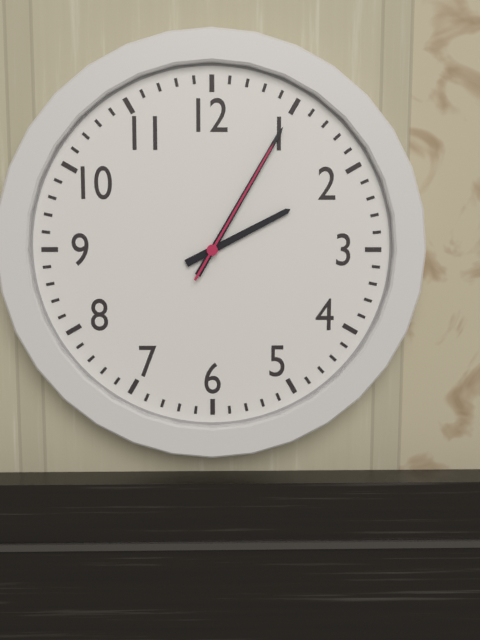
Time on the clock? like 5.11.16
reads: 2.05.05
